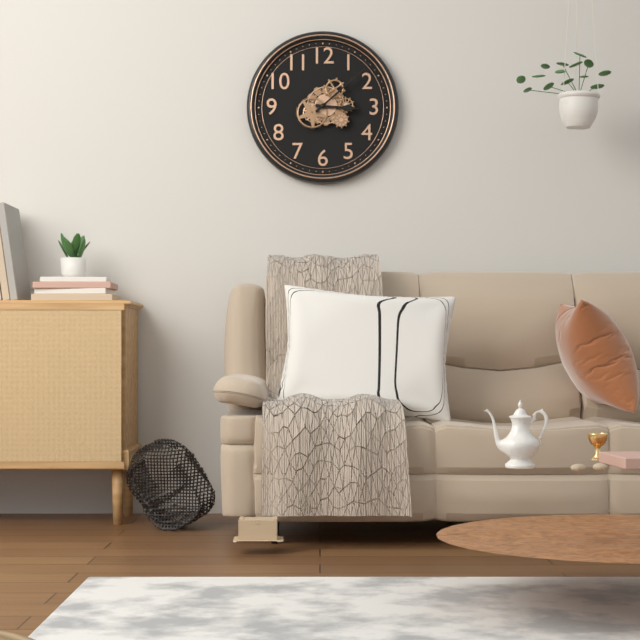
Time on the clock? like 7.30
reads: 3.08
